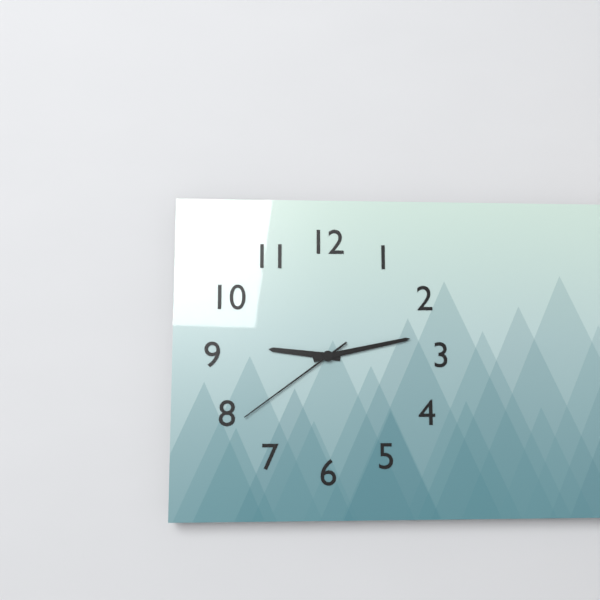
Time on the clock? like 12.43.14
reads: 9.13.39
